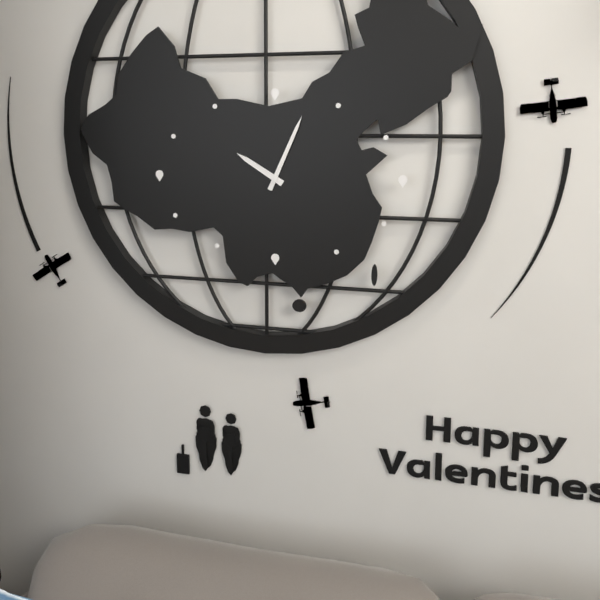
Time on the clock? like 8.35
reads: 10.04
